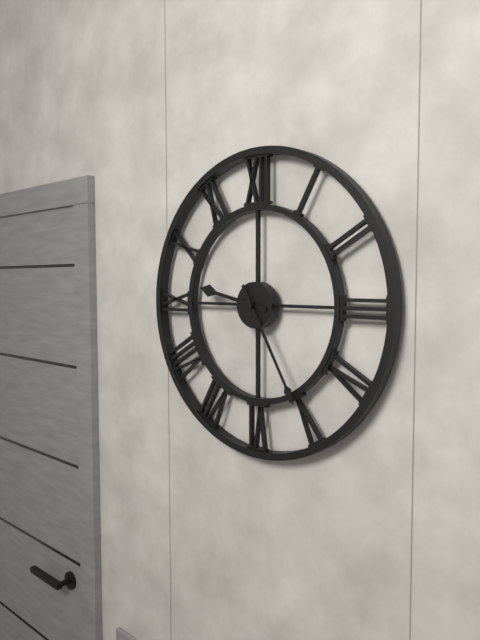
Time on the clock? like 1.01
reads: 9.25
